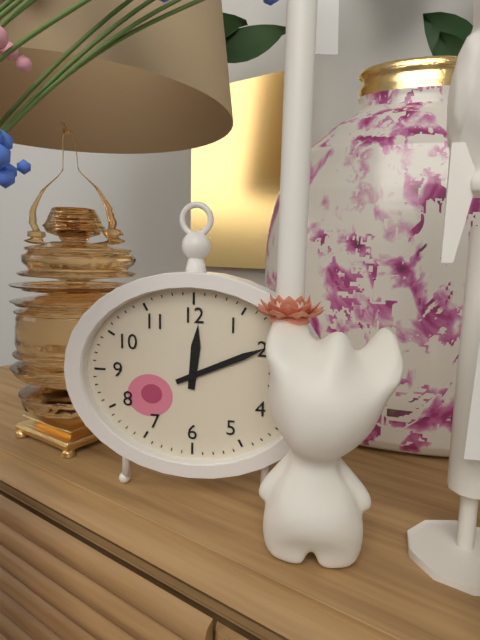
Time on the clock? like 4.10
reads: 12.11
